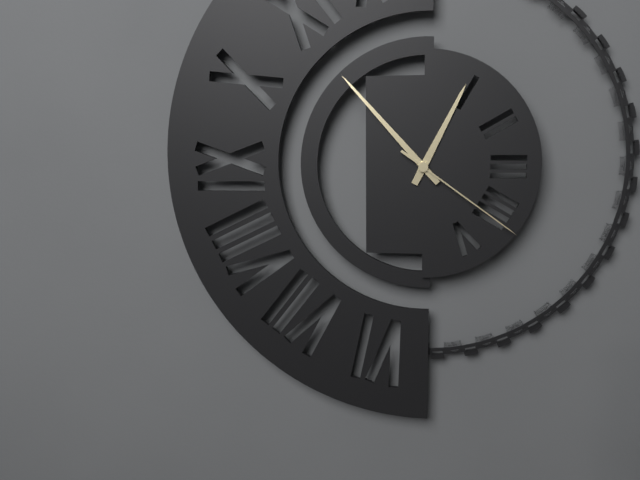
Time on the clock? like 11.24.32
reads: 12.53.21
